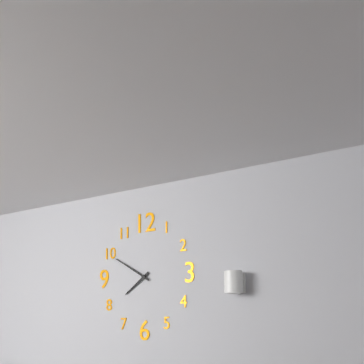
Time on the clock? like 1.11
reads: 7.50
